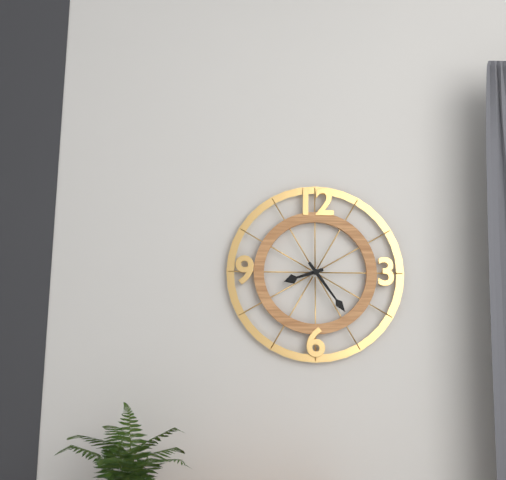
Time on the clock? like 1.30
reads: 8.24
